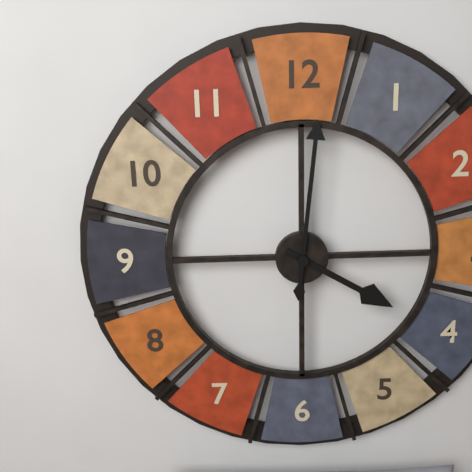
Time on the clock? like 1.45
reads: 4.01
